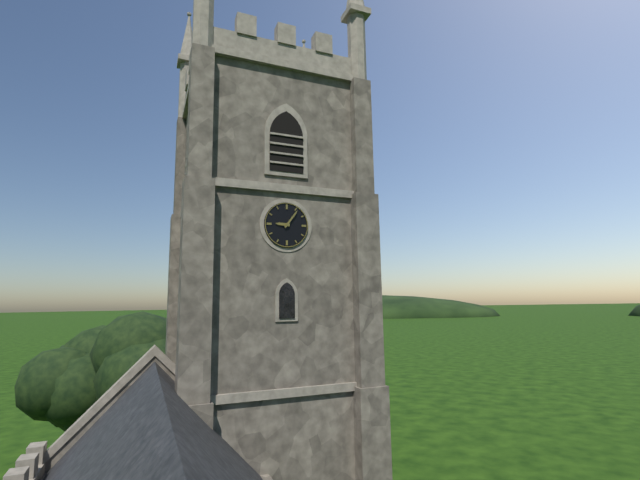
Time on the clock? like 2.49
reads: 9.06
